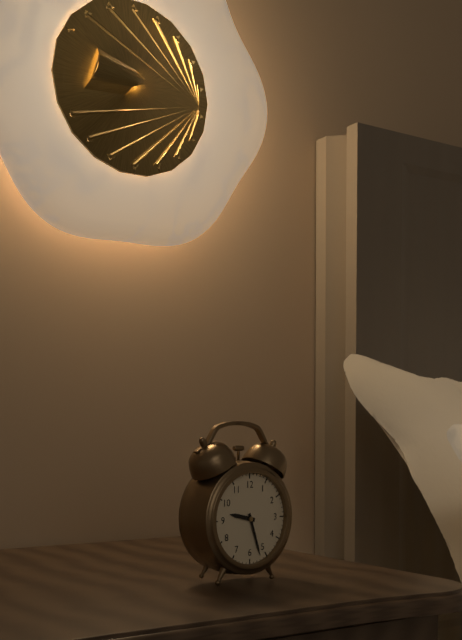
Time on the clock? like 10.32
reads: 9.27
